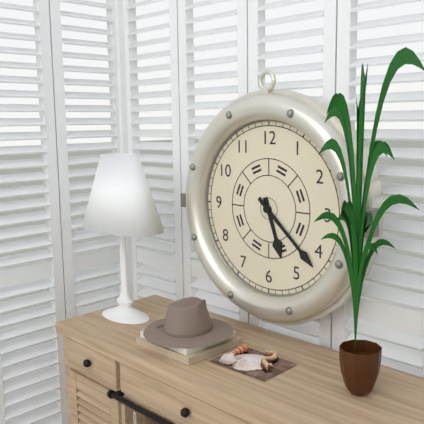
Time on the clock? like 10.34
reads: 5.22
